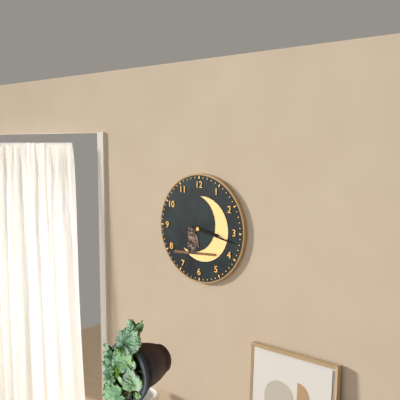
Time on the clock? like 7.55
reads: 3.17
